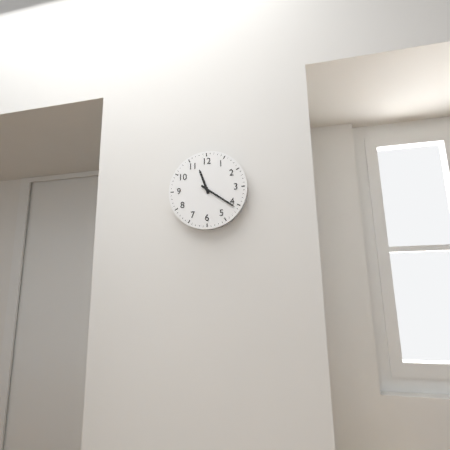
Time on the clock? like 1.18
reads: 11.21
